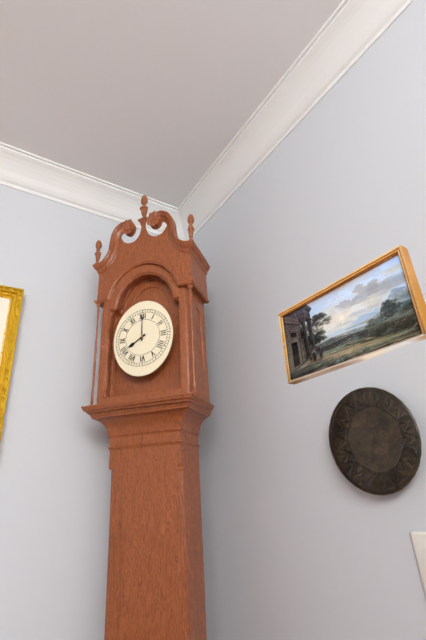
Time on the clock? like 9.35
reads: 8.00
